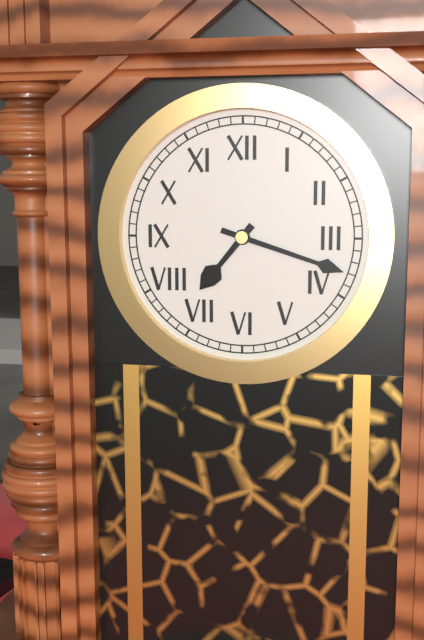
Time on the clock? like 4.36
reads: 7.18
